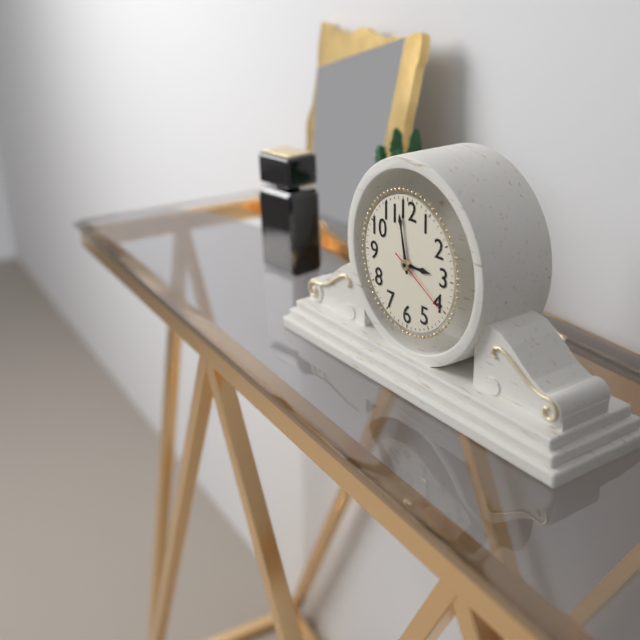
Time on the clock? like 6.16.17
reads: 2.58.20
